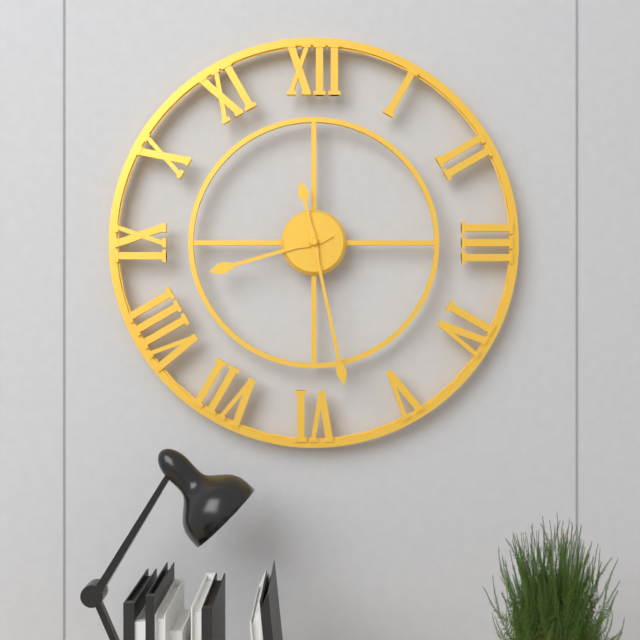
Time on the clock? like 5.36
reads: 8.28
